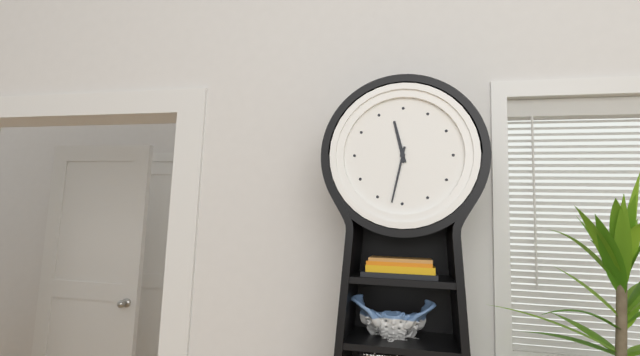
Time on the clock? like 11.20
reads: 11.32
